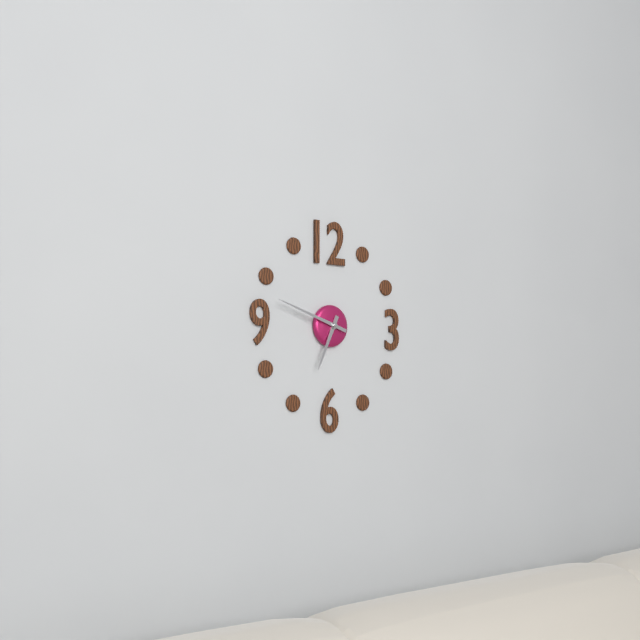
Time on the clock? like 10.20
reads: 6.48
